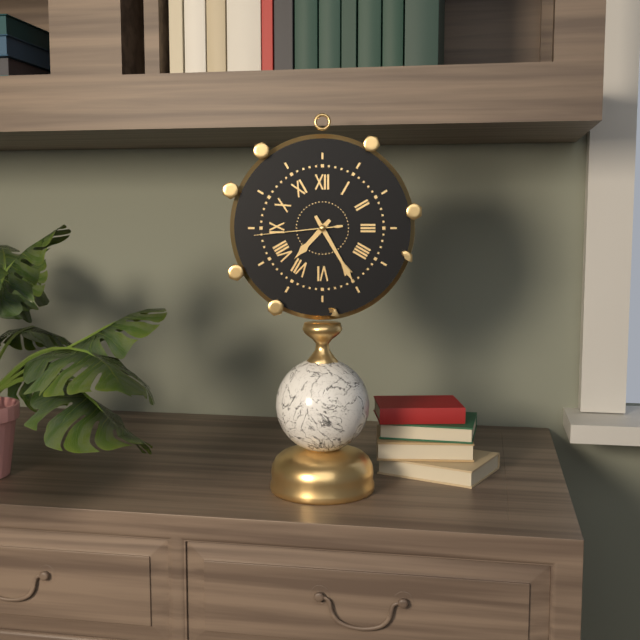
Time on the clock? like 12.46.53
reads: 7.25.44
